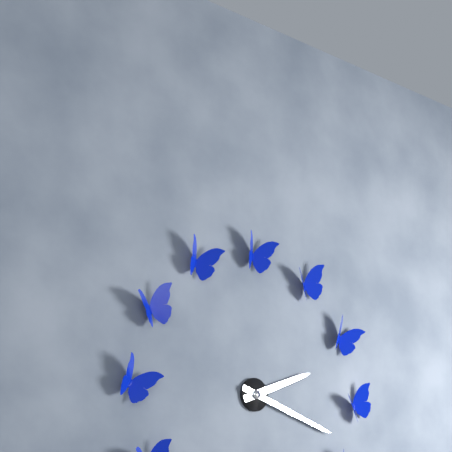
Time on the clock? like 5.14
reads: 2.18
